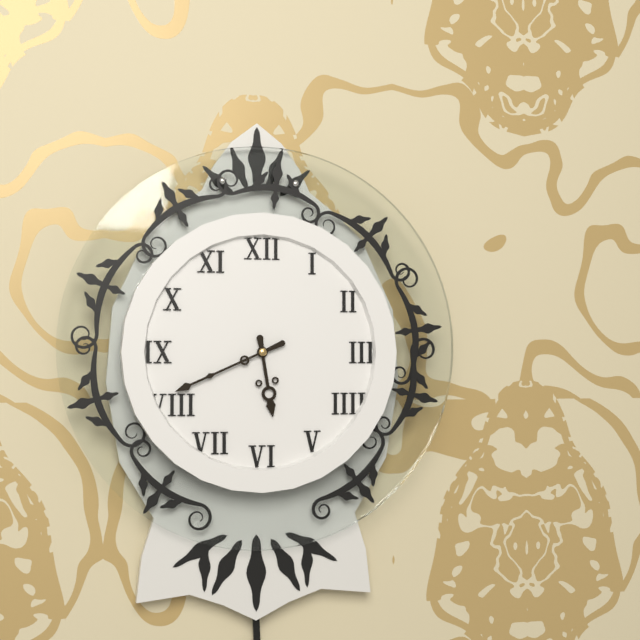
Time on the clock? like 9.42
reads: 5.41
